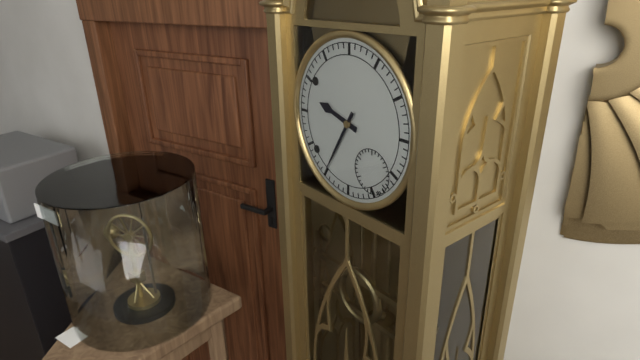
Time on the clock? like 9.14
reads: 9.35
